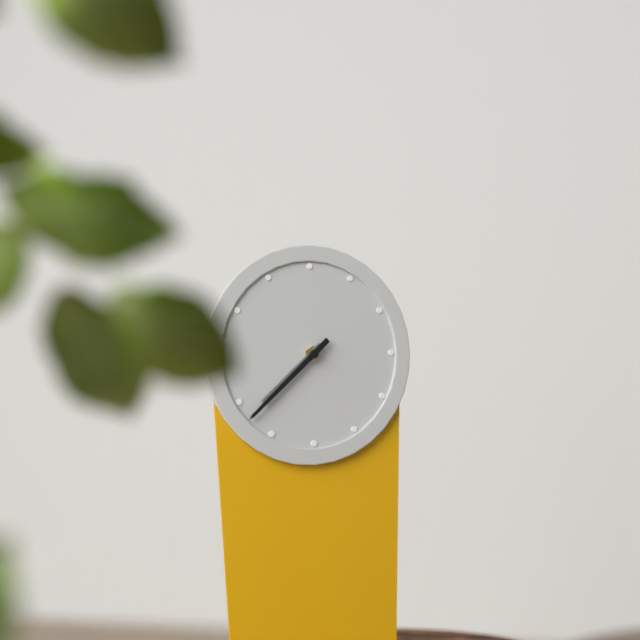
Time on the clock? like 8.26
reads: 7.38
